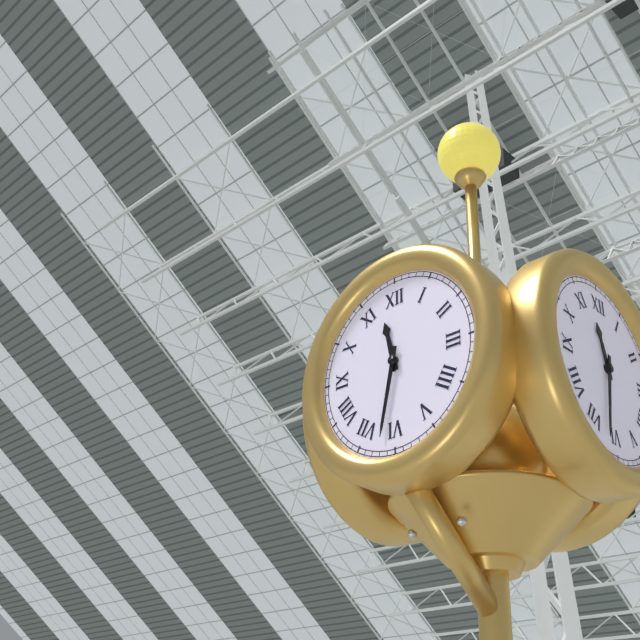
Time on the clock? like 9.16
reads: 11.32
